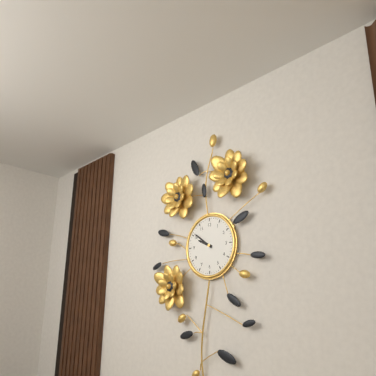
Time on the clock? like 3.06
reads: 9.51
